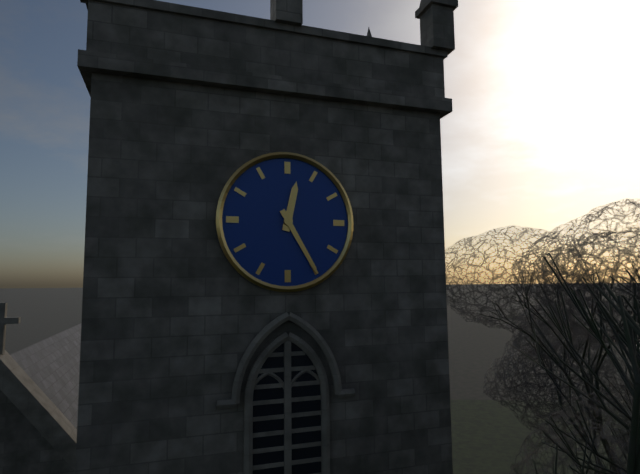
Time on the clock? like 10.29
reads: 12.25
